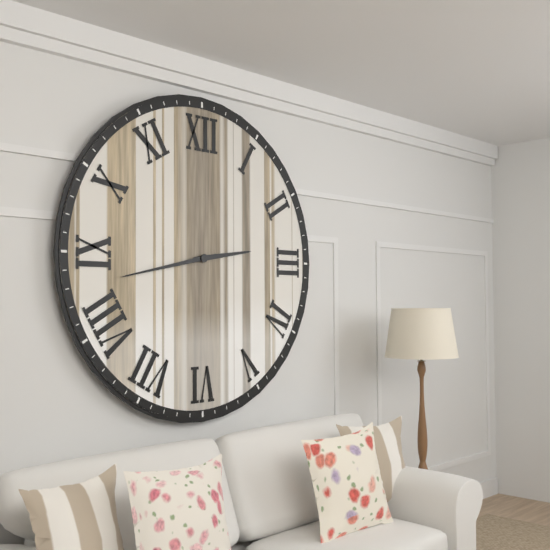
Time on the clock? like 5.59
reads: 2.43
